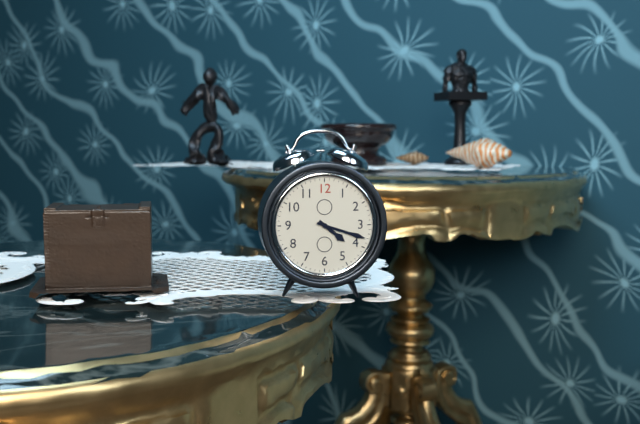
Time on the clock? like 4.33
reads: 4.18
